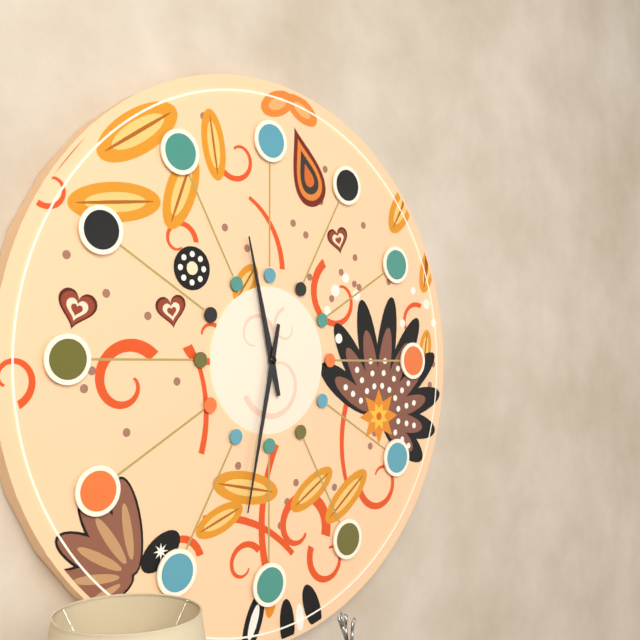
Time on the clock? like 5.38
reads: 11.32
